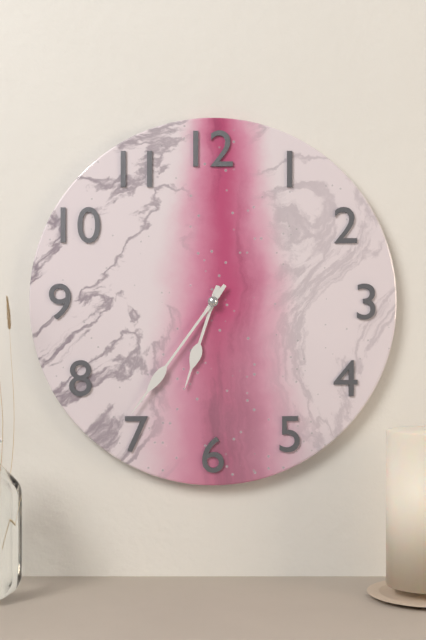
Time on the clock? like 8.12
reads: 6.36
